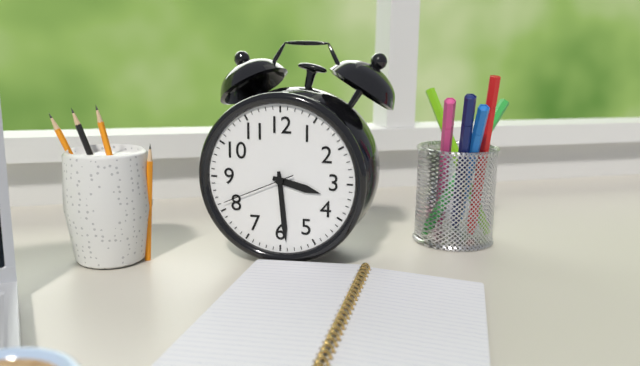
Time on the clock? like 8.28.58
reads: 3.29.41
